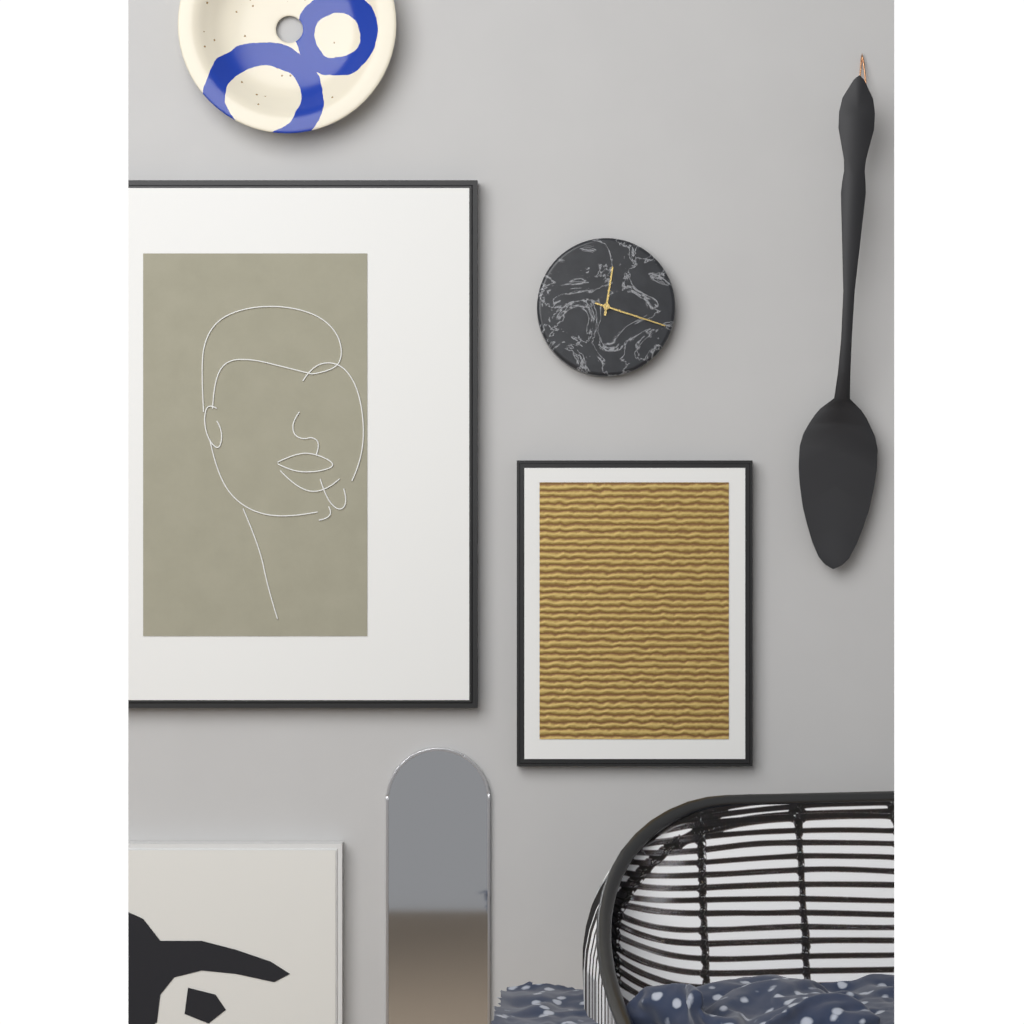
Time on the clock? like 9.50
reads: 12.18
